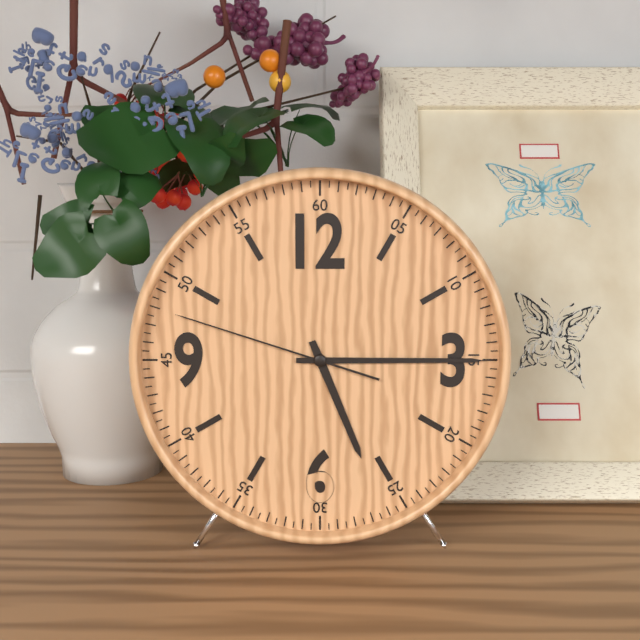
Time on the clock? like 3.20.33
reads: 5.15.48
